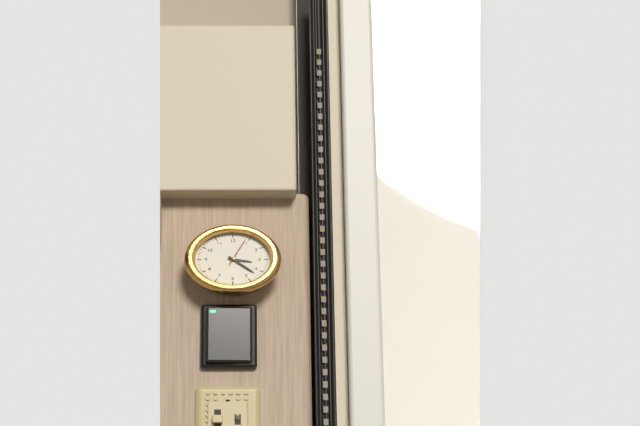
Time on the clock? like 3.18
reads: 3.22
